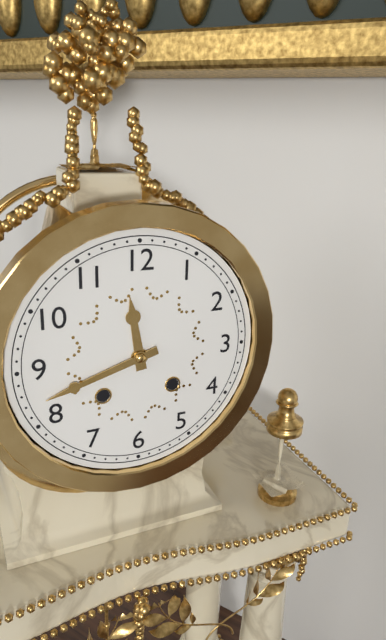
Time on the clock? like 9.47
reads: 11.42
